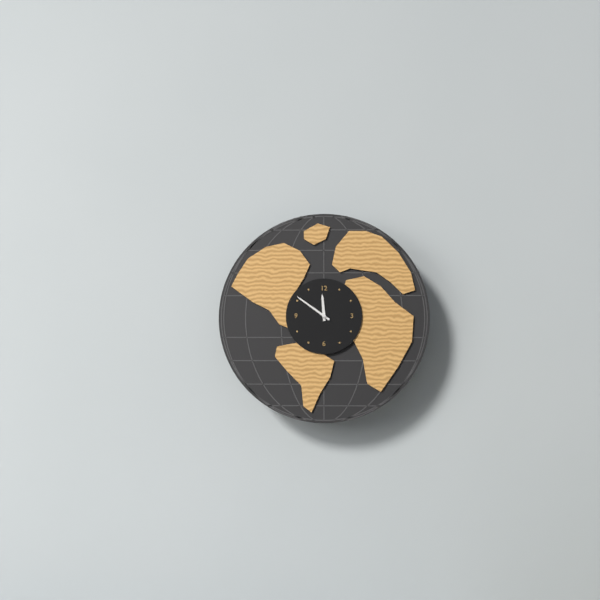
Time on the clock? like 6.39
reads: 11.51
